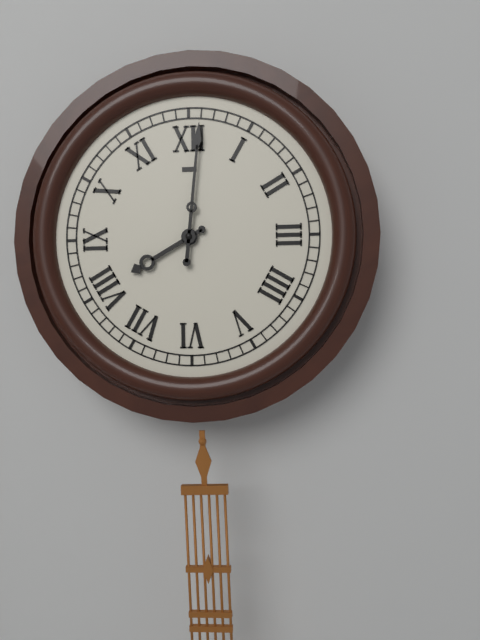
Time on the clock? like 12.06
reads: 8.01
